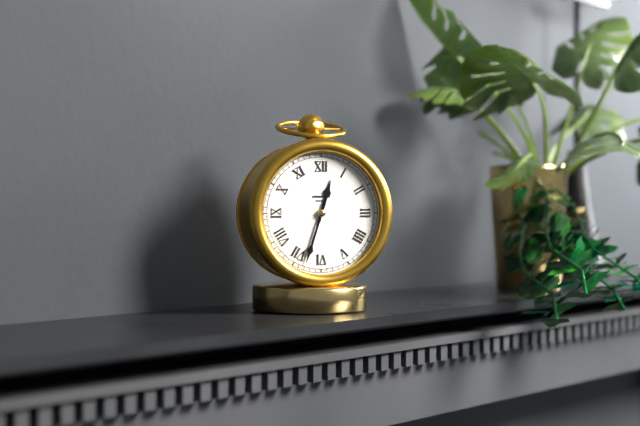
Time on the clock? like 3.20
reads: 12.33
